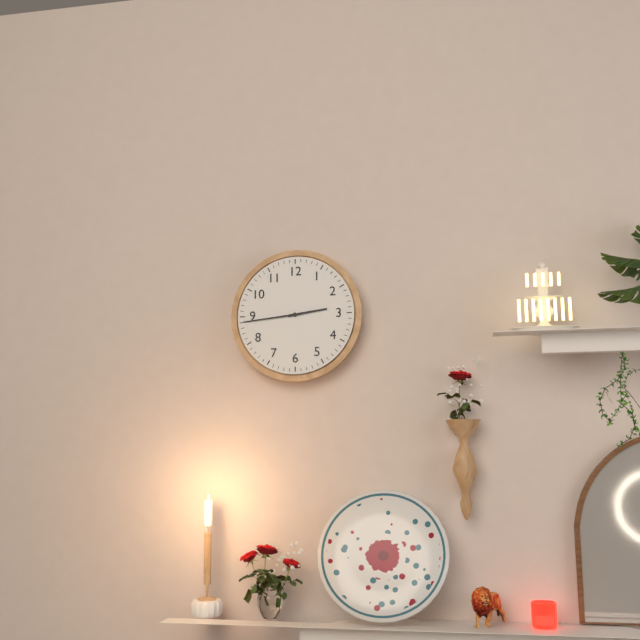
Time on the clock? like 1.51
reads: 2.44
